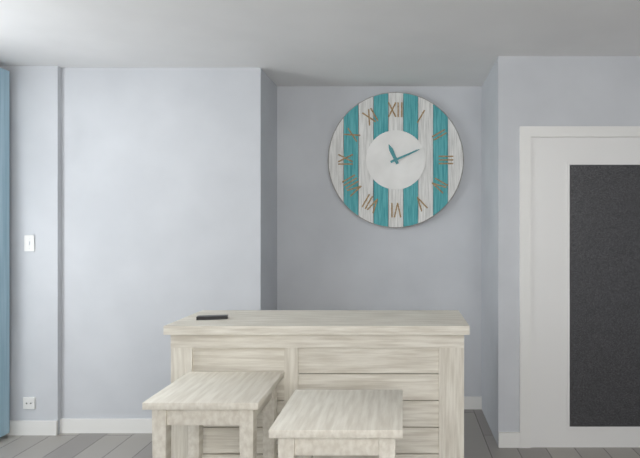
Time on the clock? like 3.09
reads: 11.11
